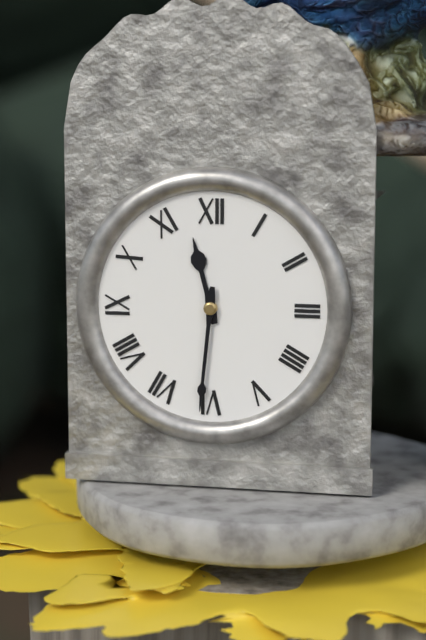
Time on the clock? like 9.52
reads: 11.31
